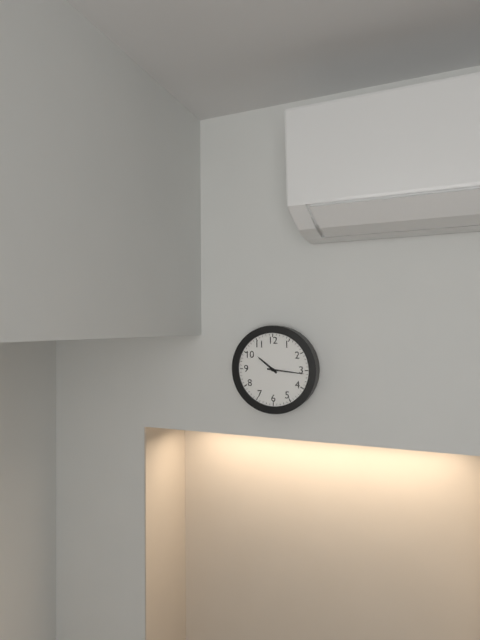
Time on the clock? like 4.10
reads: 10.16
